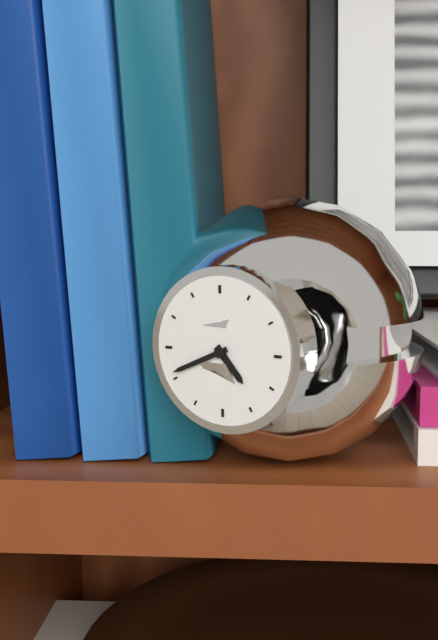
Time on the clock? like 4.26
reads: 4.41
